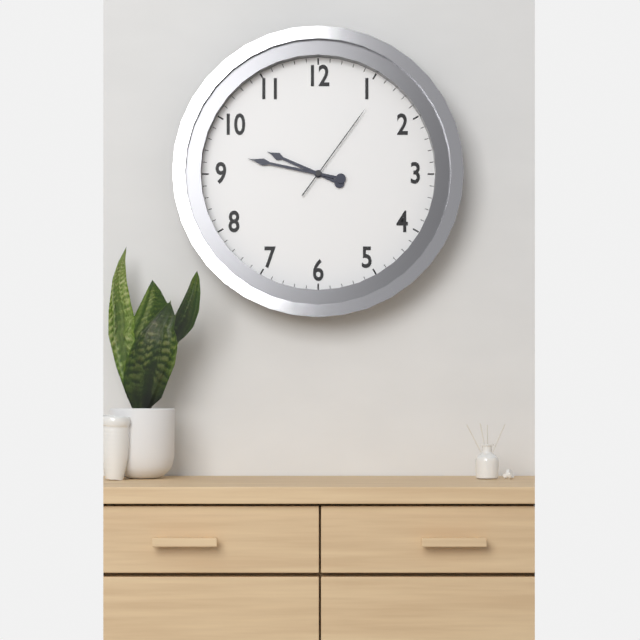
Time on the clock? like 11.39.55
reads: 9.47.06
